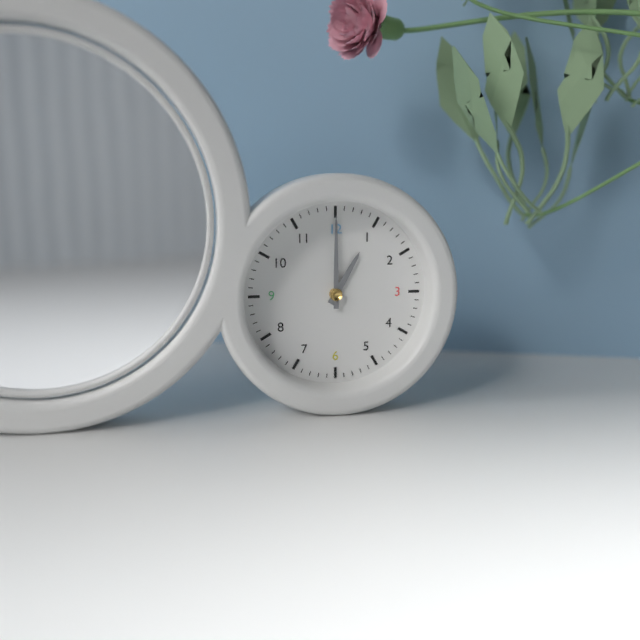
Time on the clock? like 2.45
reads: 1.00
